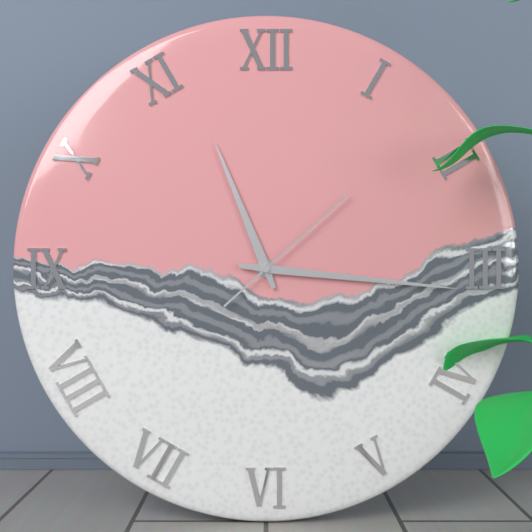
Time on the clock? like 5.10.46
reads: 11.16.08
